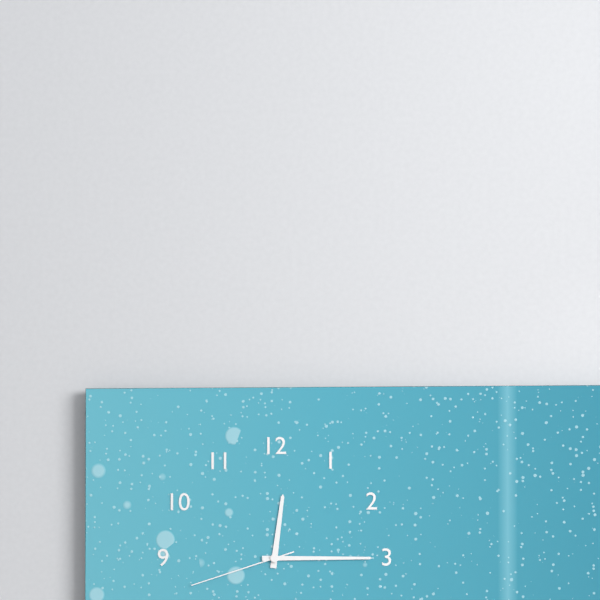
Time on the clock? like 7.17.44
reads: 12.15.42
